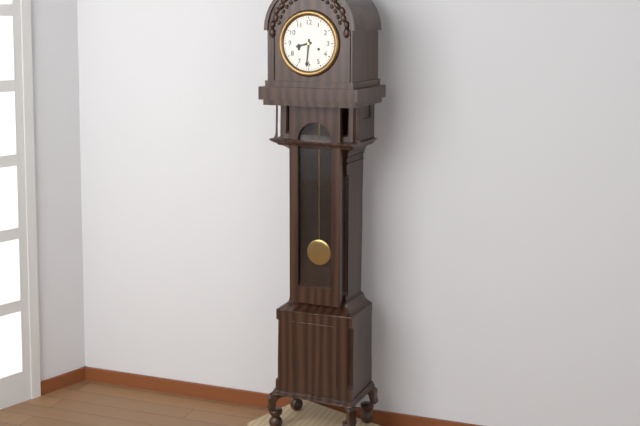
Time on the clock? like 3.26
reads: 8.31
